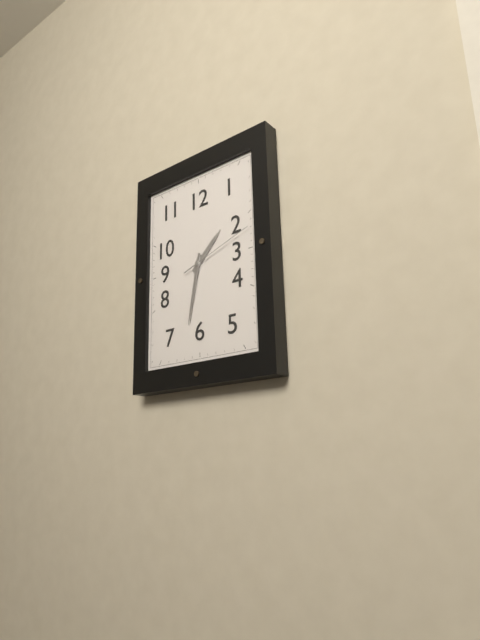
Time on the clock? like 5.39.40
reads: 1.32.12
